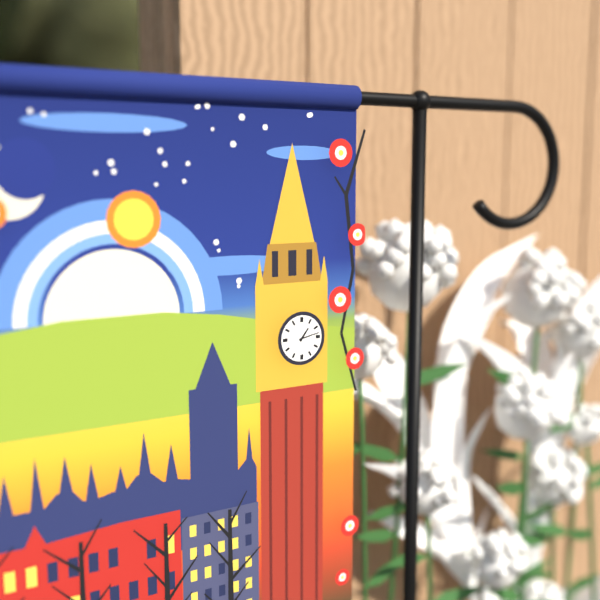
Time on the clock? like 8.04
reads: 1.13
